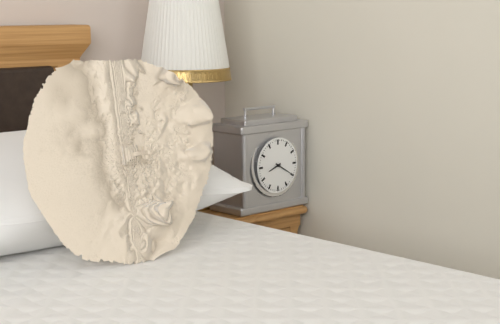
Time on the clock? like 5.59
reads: 8.20
